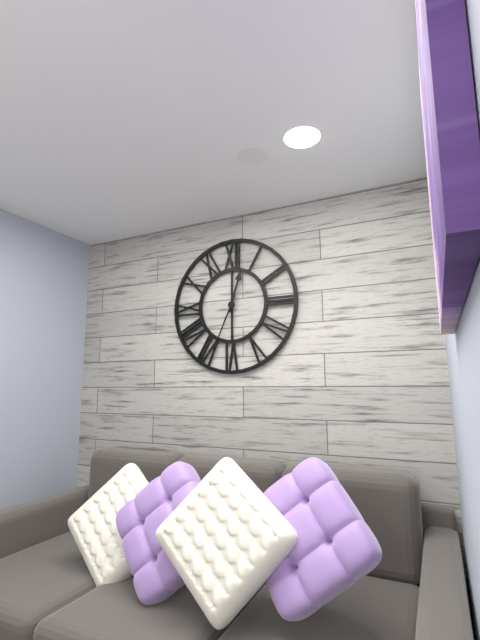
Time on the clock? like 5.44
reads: 12.34
